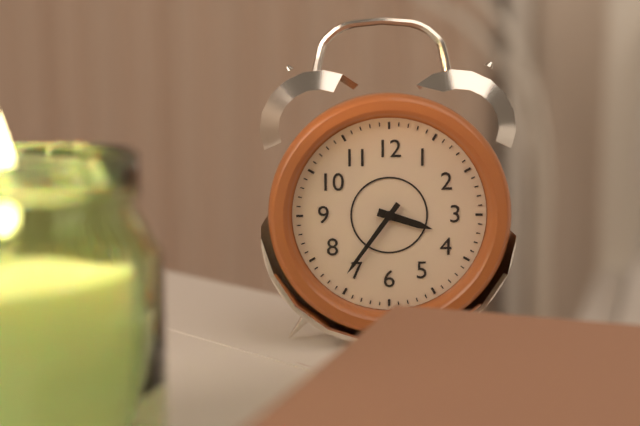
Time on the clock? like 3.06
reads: 3.36
